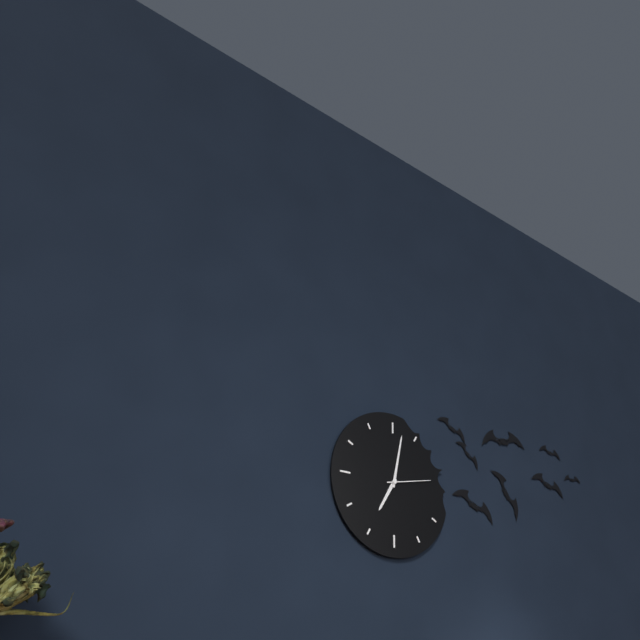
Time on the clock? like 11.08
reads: 7.02
